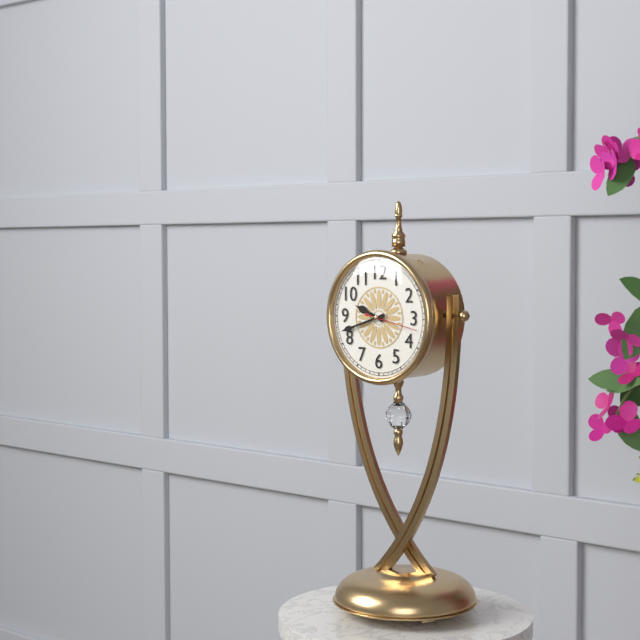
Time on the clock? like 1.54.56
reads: 9.42.17
